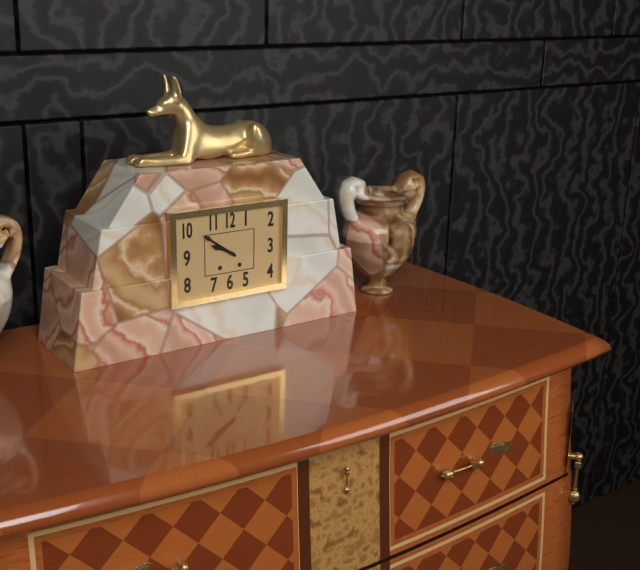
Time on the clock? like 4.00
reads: 9.51
